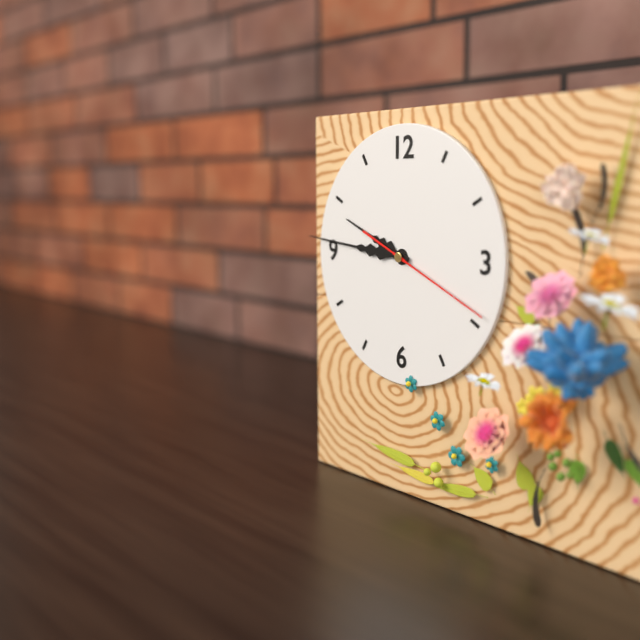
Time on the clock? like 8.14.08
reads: 9.46.19
